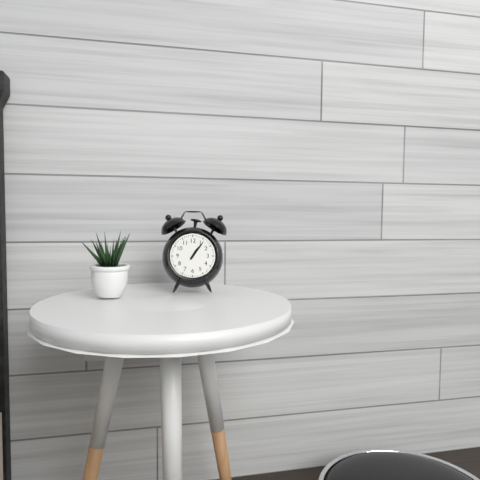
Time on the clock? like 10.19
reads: 1.06
